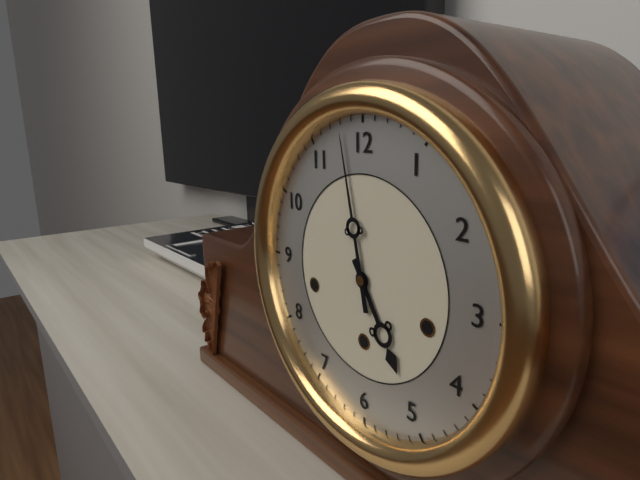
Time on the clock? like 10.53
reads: 4.58
